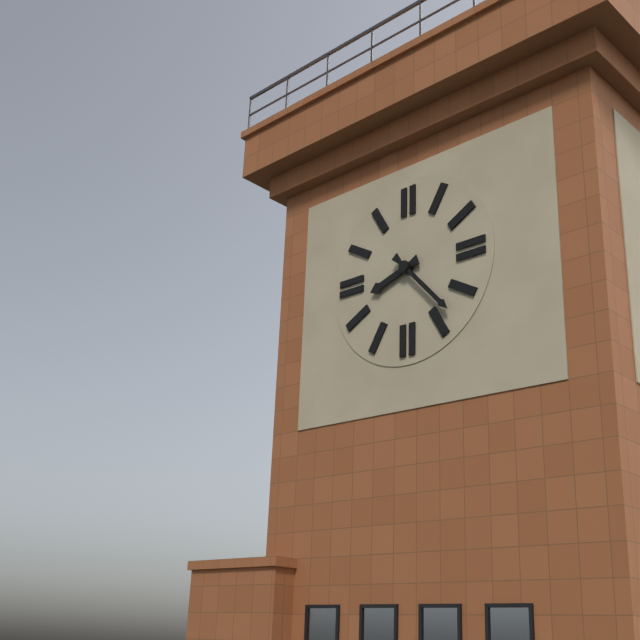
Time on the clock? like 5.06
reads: 8.23
